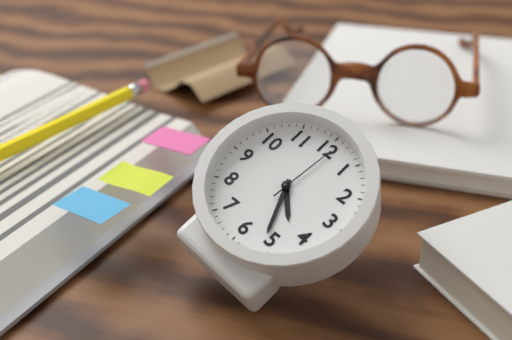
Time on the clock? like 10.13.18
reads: 4.26.01
